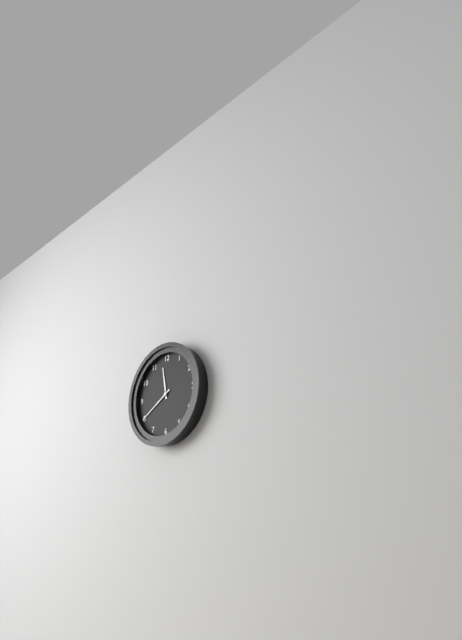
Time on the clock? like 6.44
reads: 11.40
